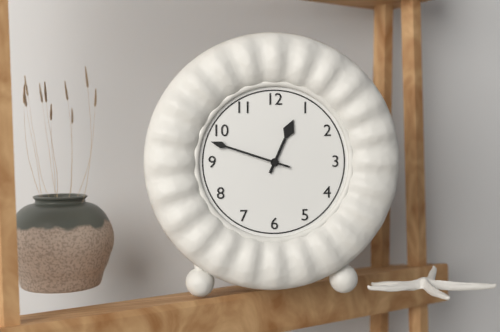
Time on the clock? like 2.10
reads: 12.48
